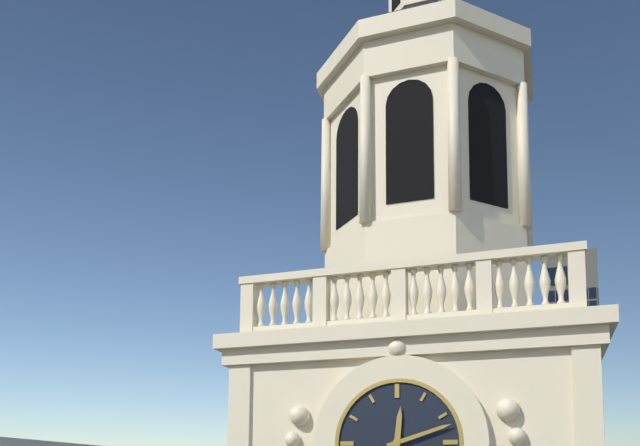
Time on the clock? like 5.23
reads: 12.12
